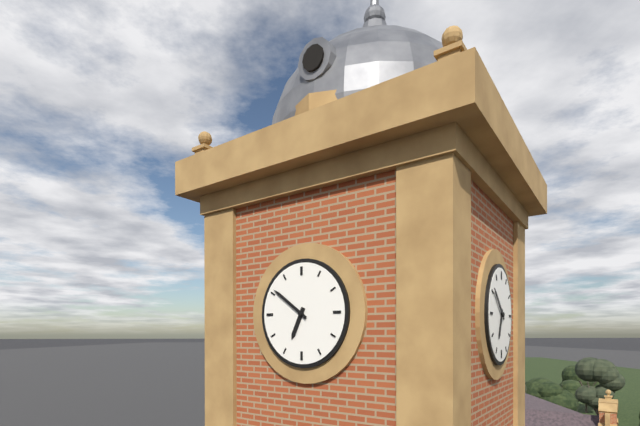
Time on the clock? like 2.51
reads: 6.51
